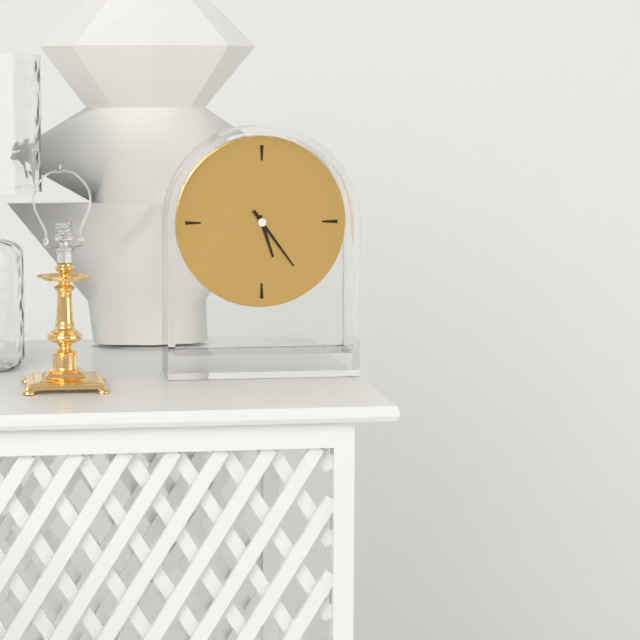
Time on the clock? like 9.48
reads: 5.24
